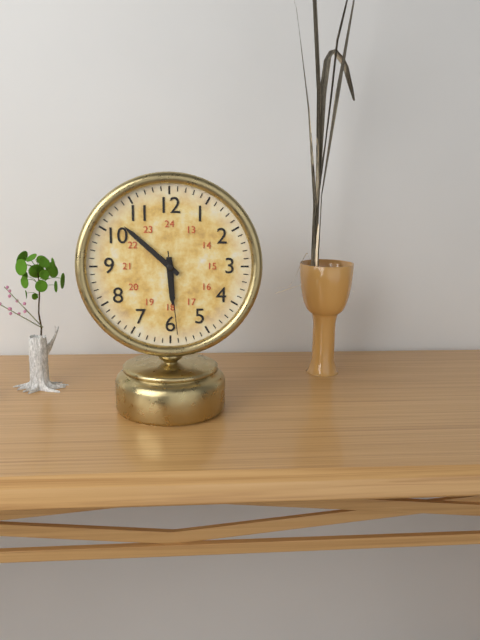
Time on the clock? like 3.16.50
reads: 5.52.29
